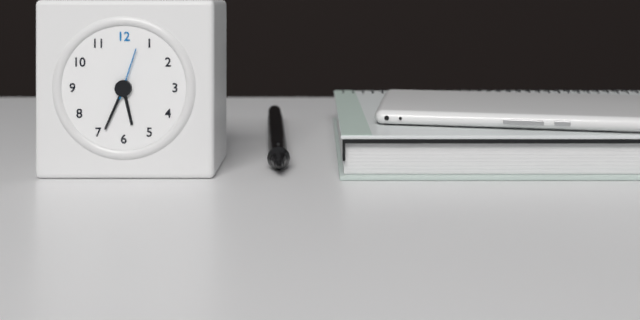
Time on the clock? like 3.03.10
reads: 5.34.03
